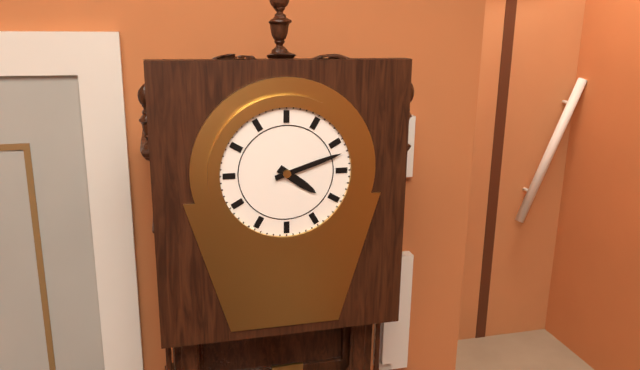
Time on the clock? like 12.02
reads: 4.12
